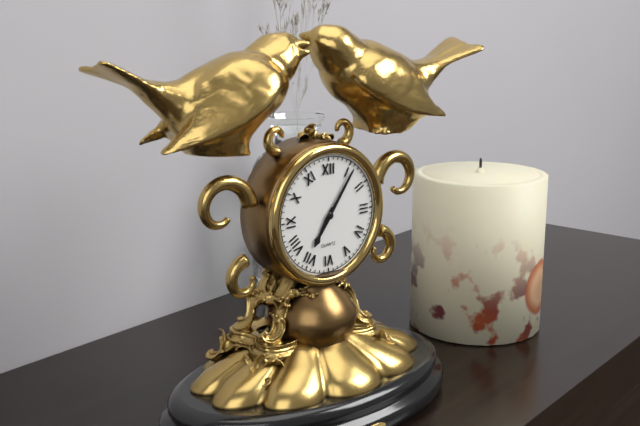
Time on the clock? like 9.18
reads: 7.06
